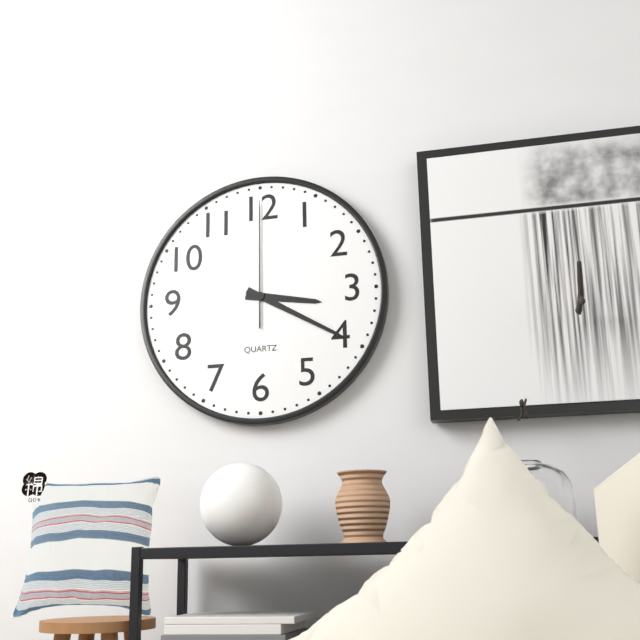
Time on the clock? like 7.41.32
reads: 3.20.00
